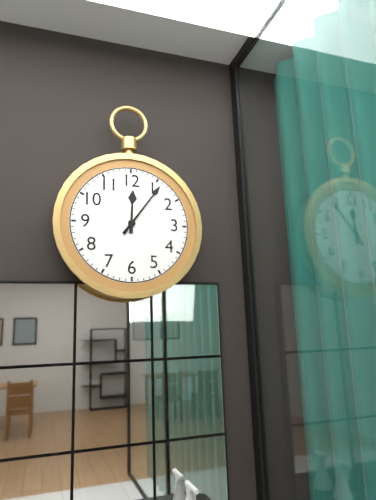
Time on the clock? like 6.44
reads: 12.06
